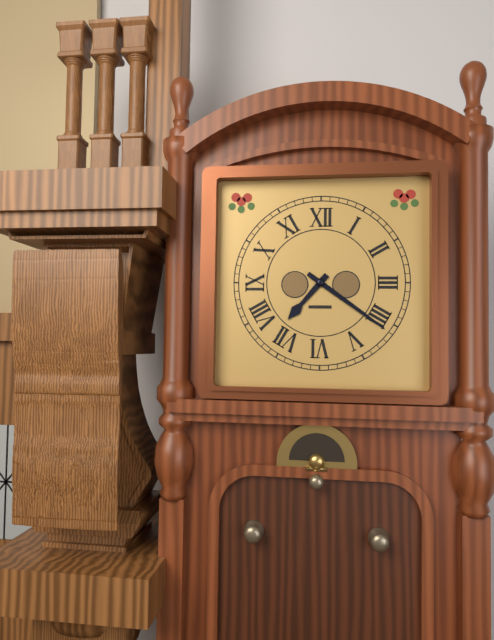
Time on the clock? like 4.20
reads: 7.21
